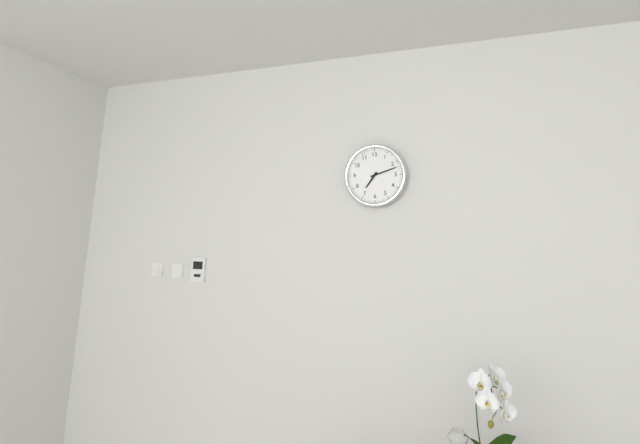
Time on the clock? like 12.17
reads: 7.12
